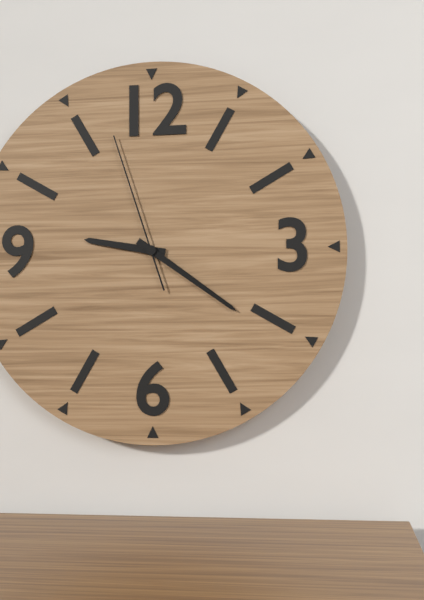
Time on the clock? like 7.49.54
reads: 9.21.57
